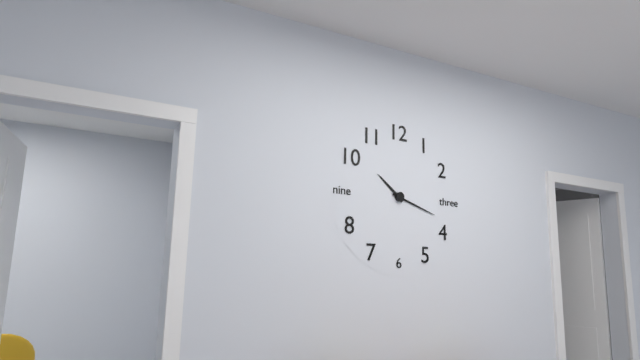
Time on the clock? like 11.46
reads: 10.18
